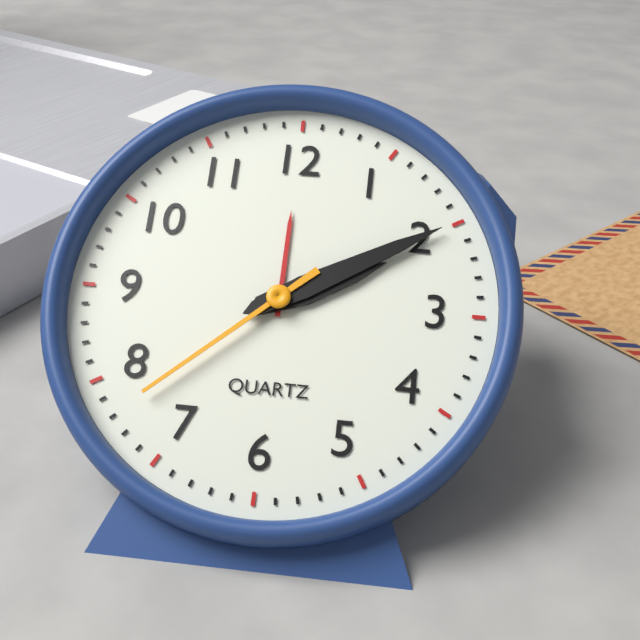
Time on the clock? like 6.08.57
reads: 2.10.38
